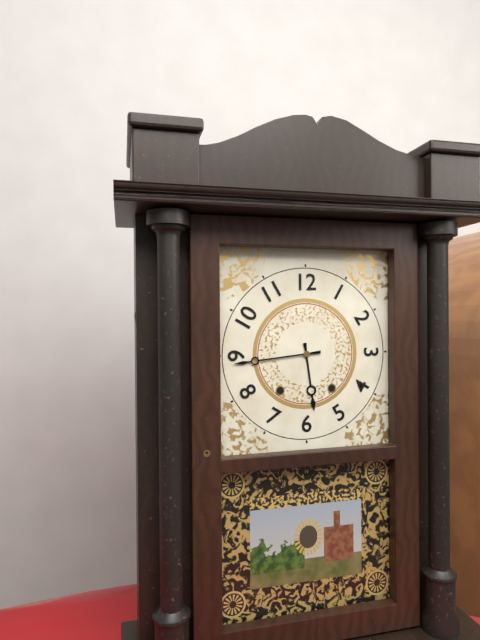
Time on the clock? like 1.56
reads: 5.44
